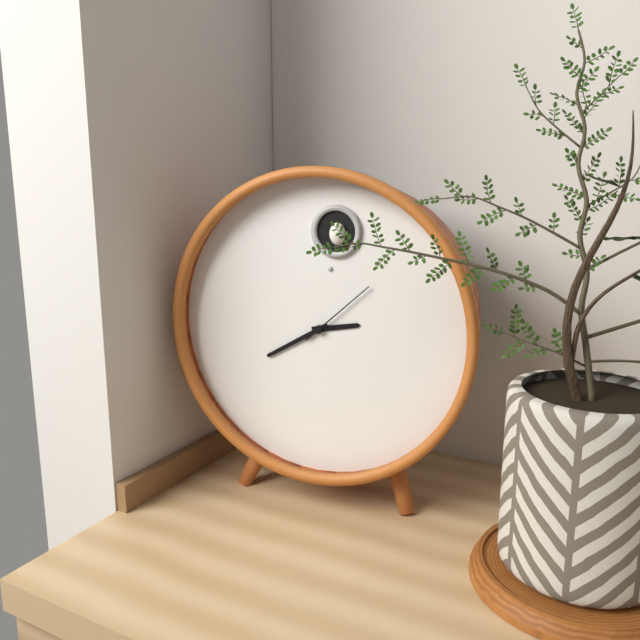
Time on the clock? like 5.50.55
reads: 2.40.08
